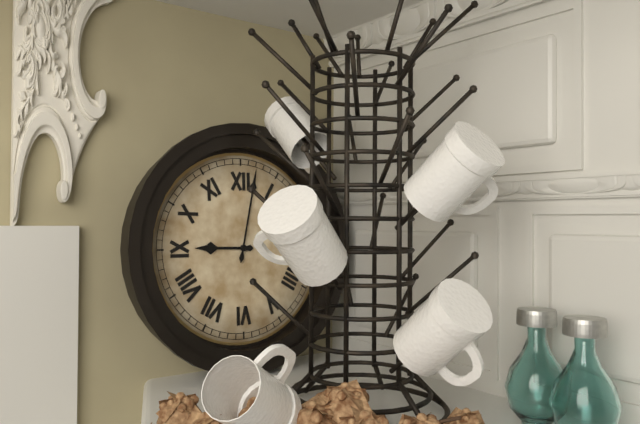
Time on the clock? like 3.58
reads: 9.02
